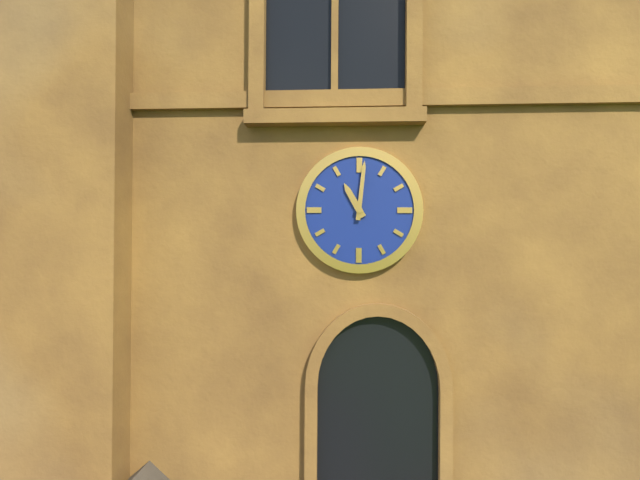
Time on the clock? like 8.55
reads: 11.01
